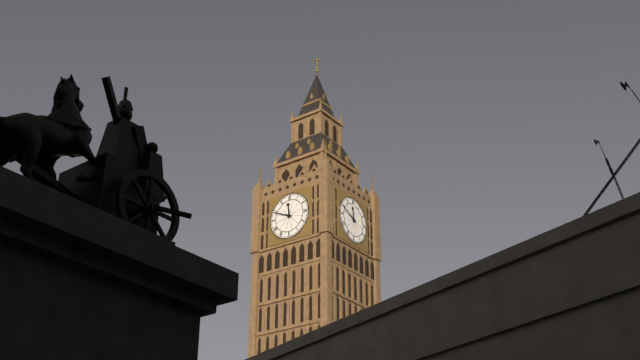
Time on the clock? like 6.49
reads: 11.49
